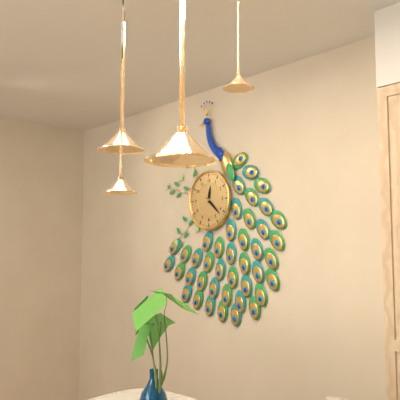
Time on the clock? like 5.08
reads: 12.22
